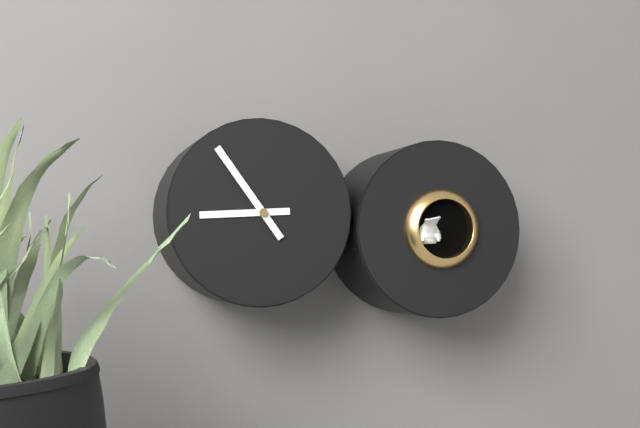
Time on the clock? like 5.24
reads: 8.54
